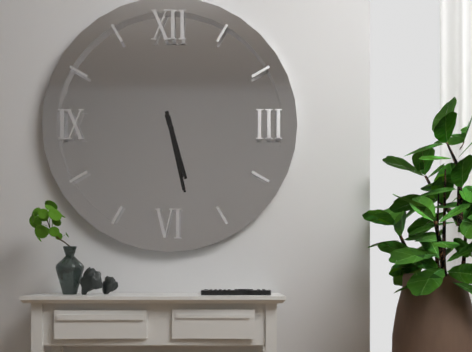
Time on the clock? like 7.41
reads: 5.28
